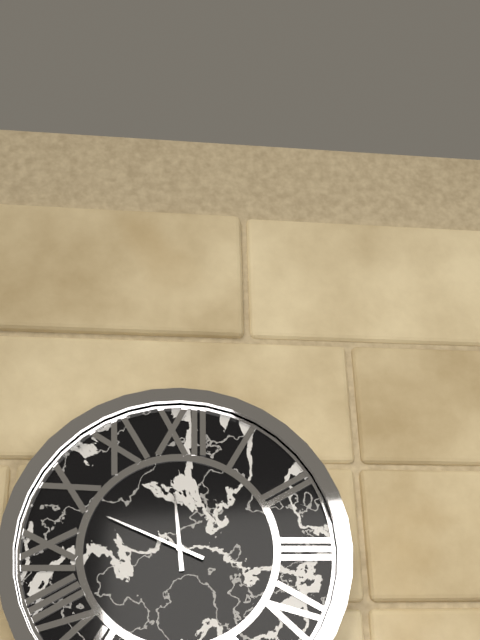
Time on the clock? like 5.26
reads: 11.49
